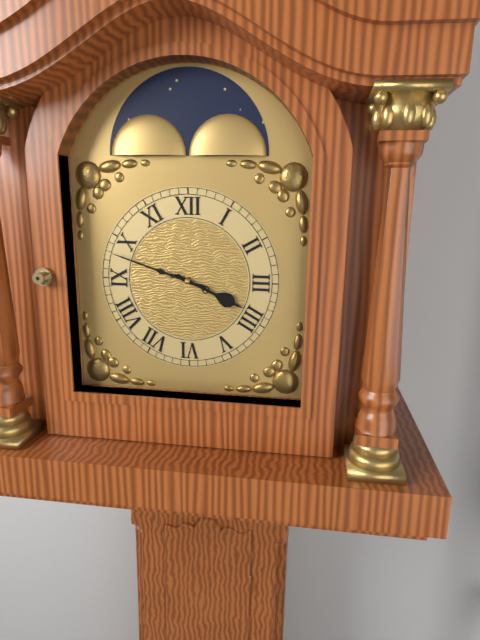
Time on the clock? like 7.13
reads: 3.48
